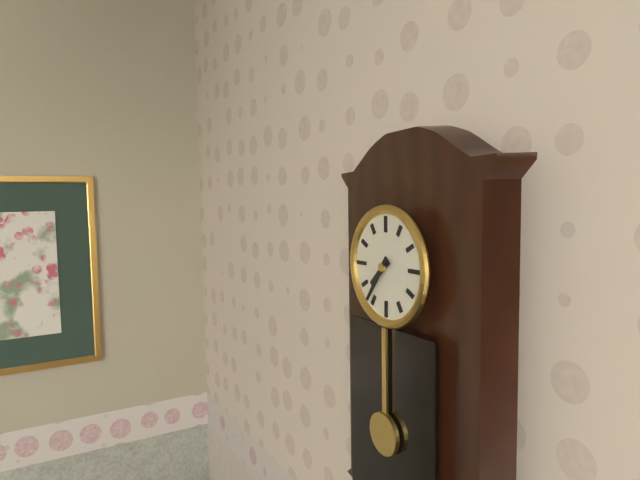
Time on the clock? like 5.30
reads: 7.36
